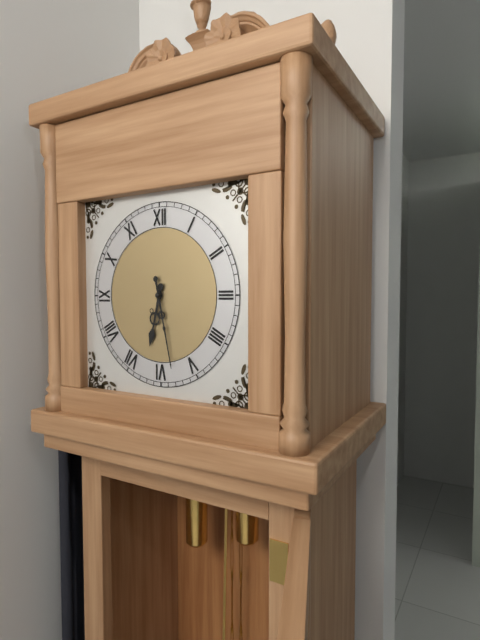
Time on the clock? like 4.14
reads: 6.28
